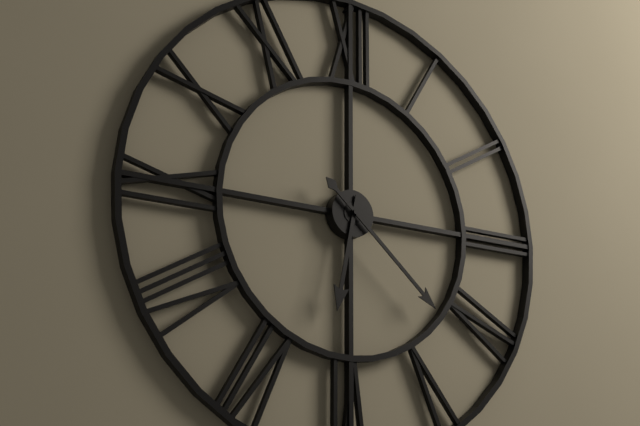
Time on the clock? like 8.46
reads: 6.22
